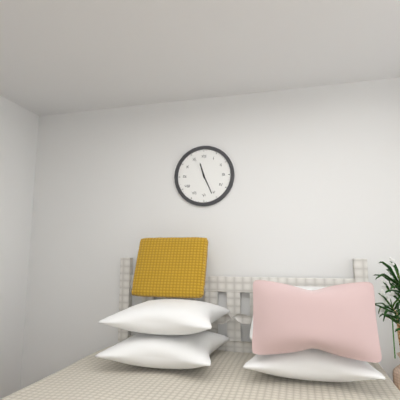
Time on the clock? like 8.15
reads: 11.26
